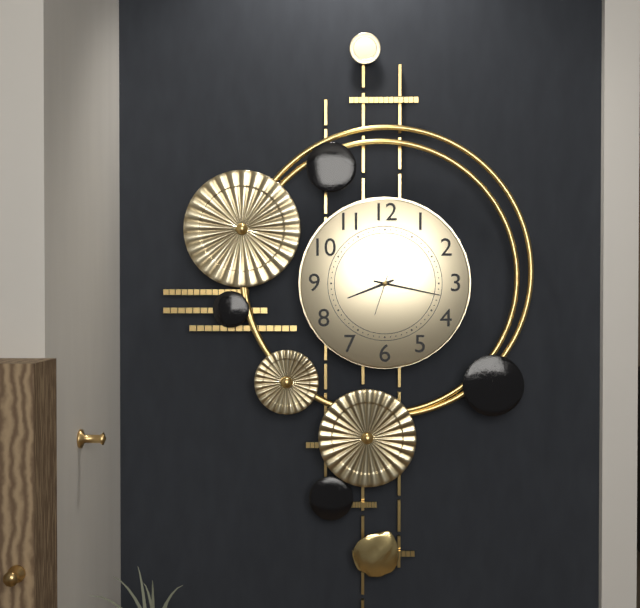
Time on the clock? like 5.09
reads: 8.17
